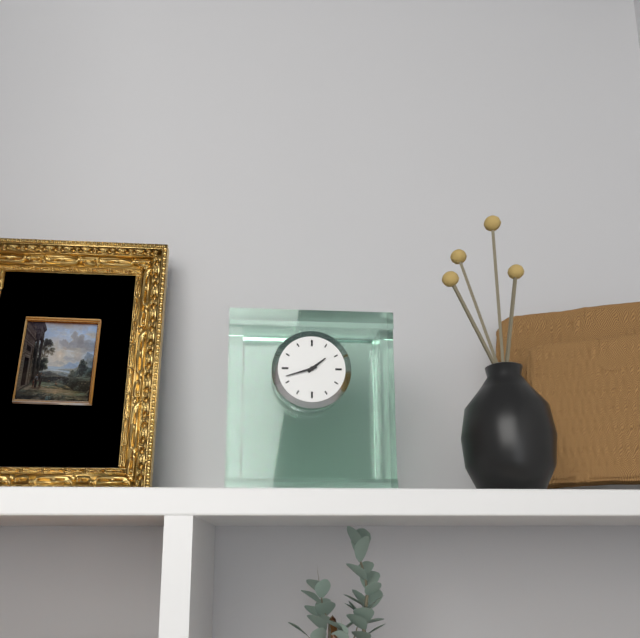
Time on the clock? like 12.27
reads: 1.42
